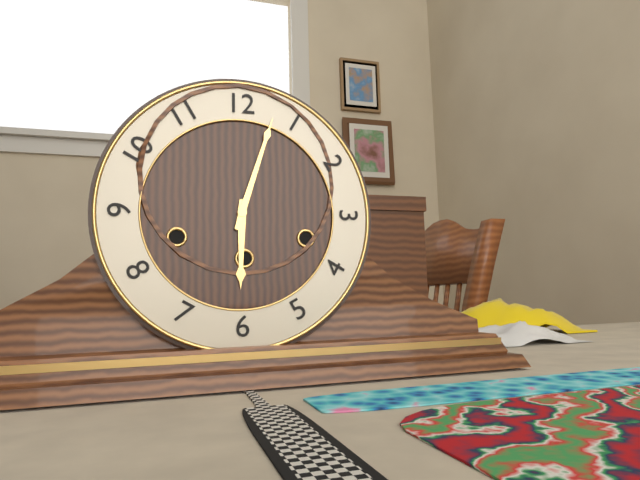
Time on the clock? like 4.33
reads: 6.03
